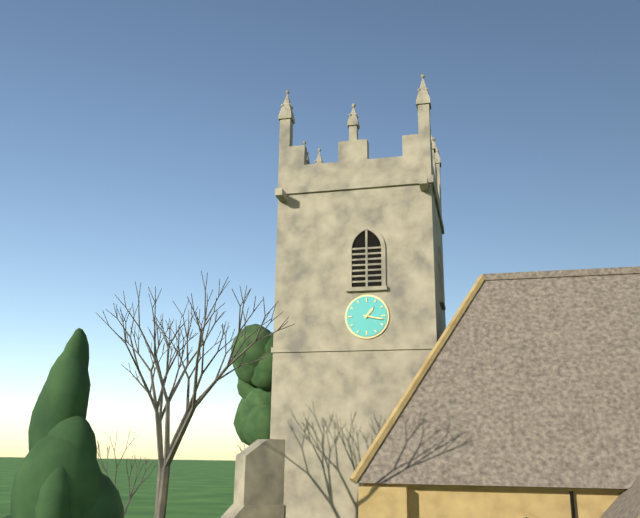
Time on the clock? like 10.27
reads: 1.17
